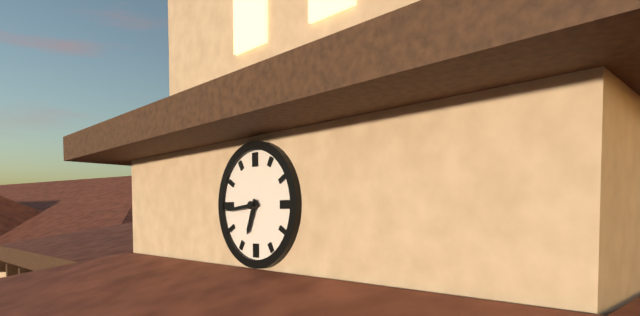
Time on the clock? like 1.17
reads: 6.44
